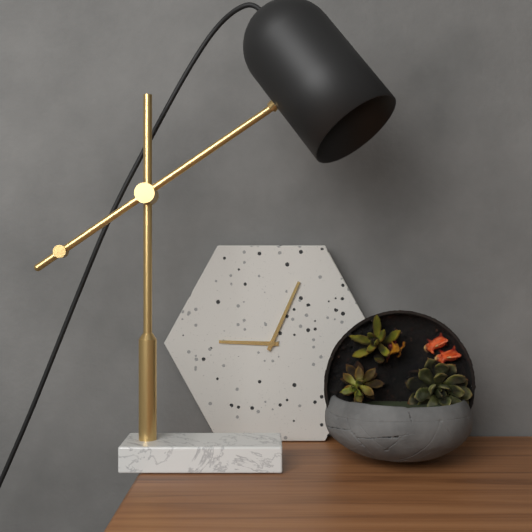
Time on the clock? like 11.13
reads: 9.04
